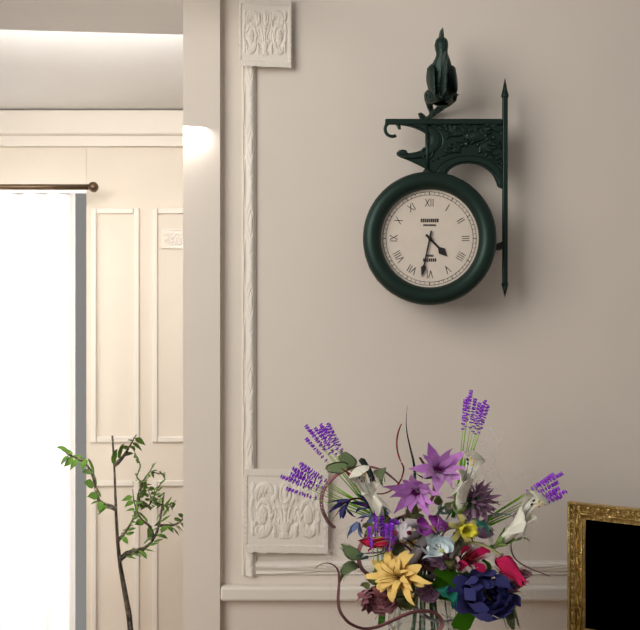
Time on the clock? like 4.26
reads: 4.32
